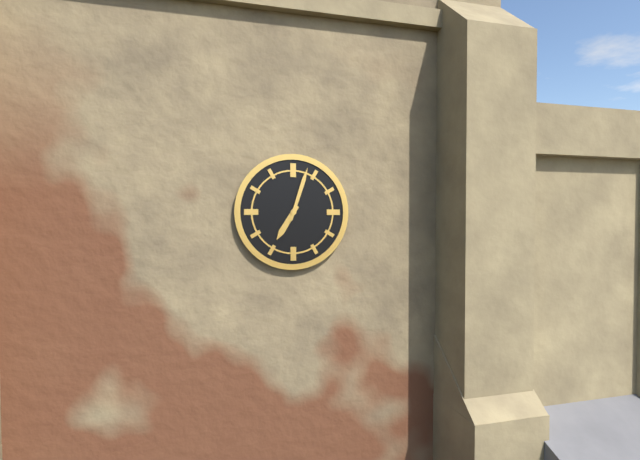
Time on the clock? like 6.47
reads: 7.03
